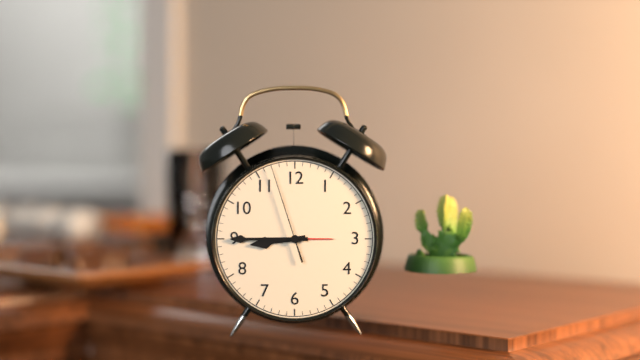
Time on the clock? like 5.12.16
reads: 8.45.57
